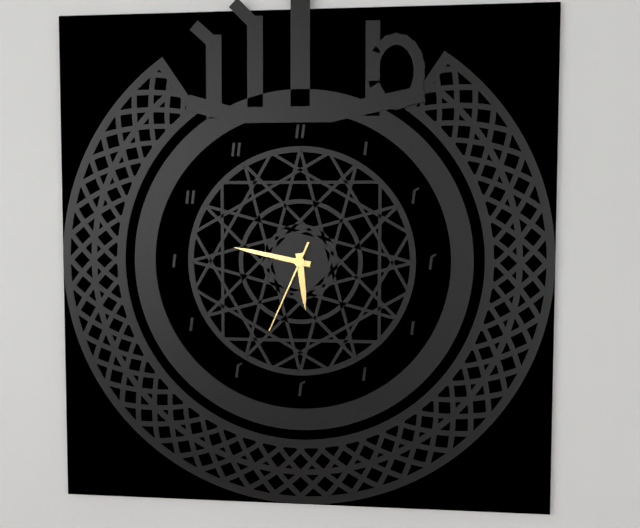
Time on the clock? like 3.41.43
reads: 5.47.34
